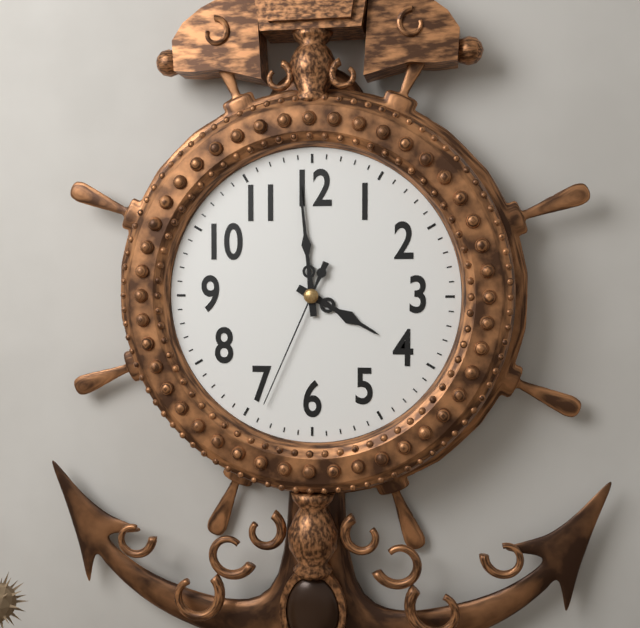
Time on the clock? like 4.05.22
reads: 3.59.34
